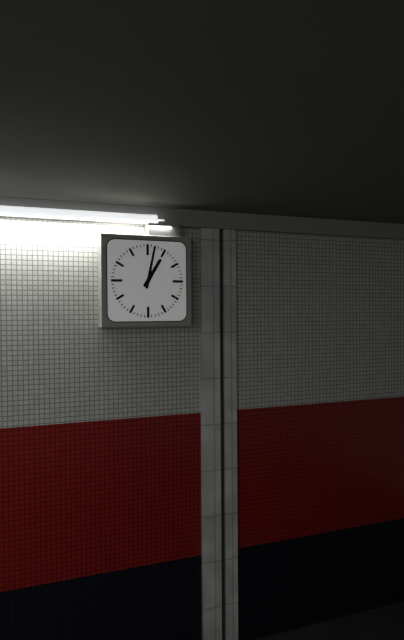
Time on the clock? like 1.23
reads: 1.02
